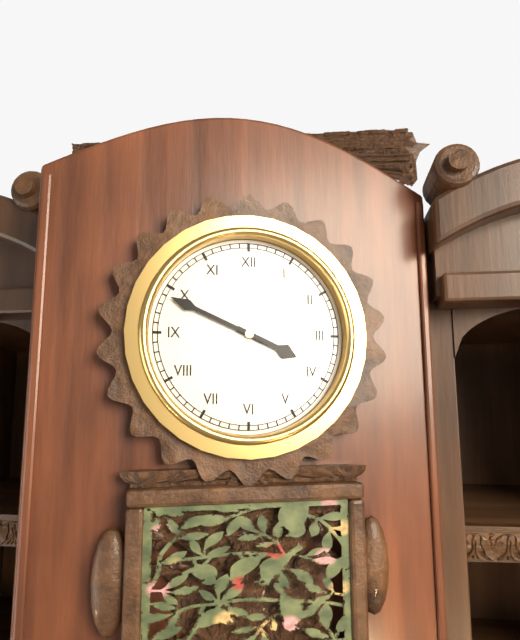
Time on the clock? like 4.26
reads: 3.49
